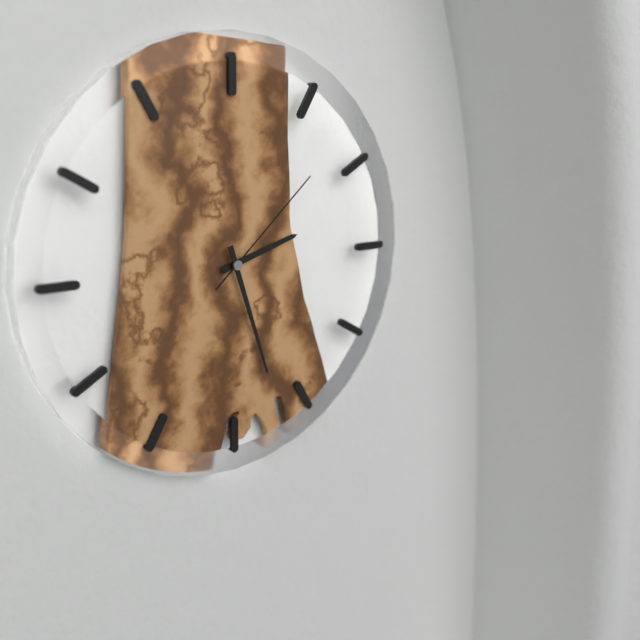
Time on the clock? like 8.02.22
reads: 2.27.08
